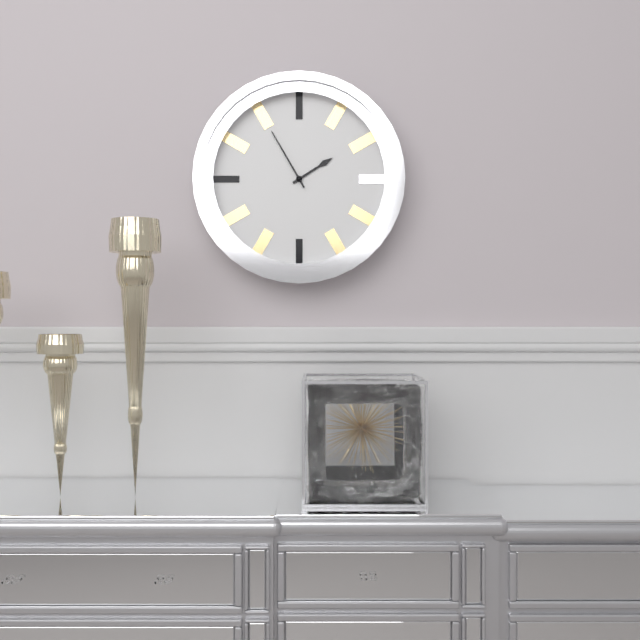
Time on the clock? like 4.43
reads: 1.55
